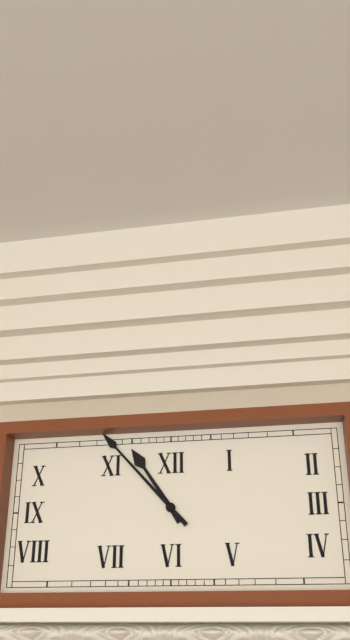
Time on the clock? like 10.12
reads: 10.53
